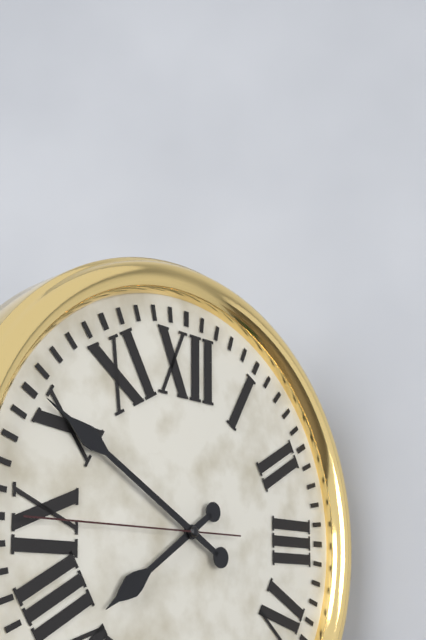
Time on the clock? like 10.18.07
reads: 7.50.45
